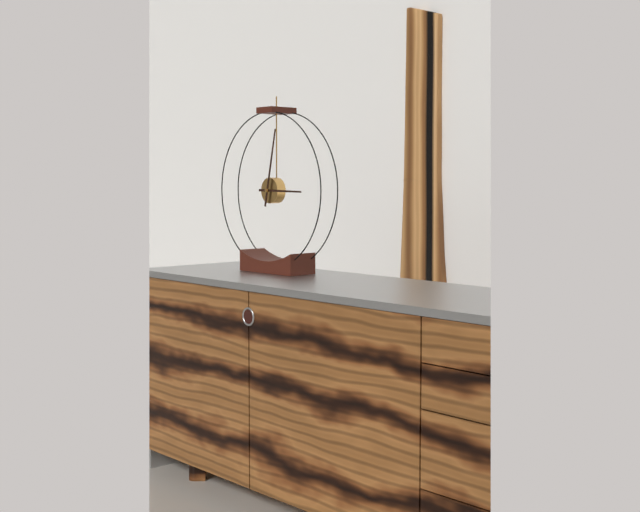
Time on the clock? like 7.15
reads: 3.02
